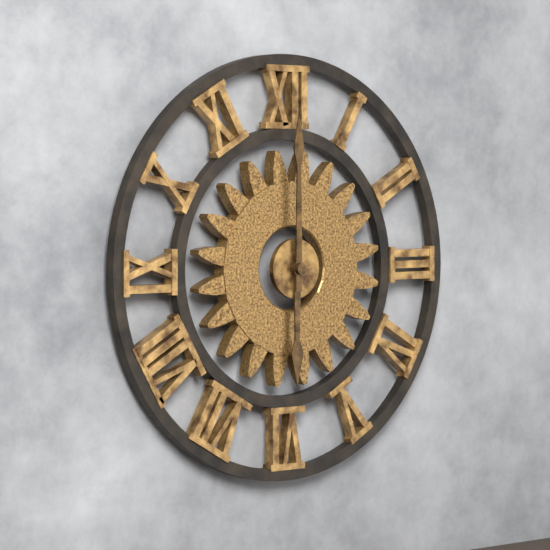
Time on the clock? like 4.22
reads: 6.00
